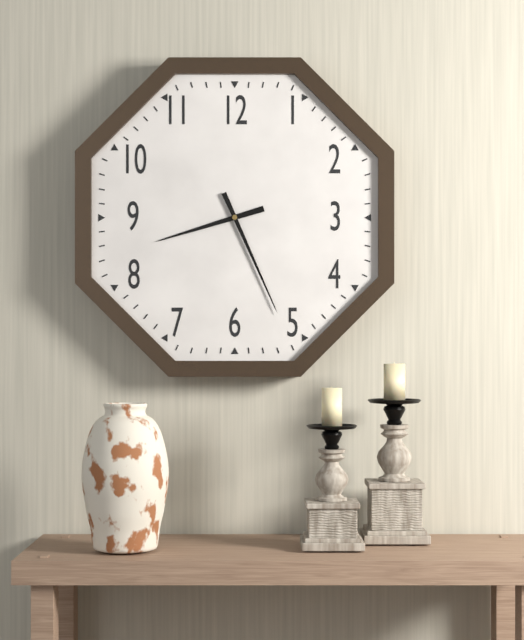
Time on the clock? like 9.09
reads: 8.26
